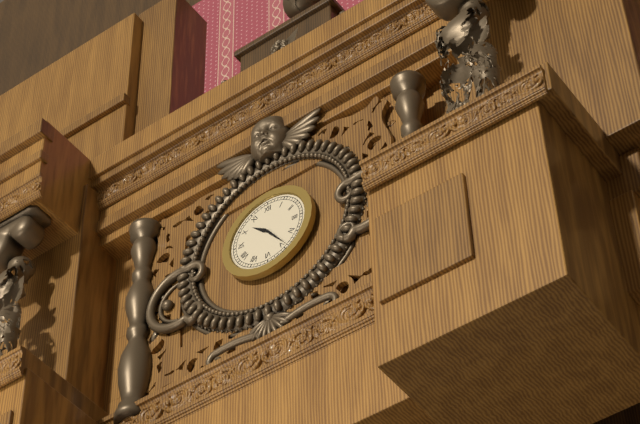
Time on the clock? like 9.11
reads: 10.24
